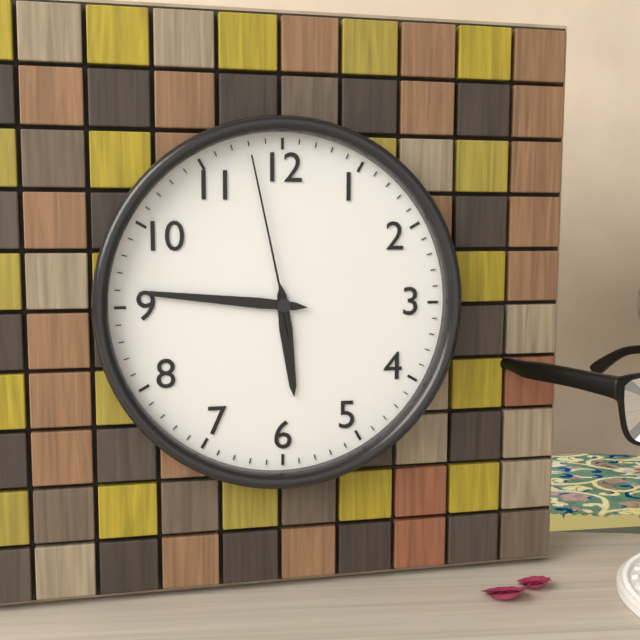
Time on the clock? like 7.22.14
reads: 5.46.58
